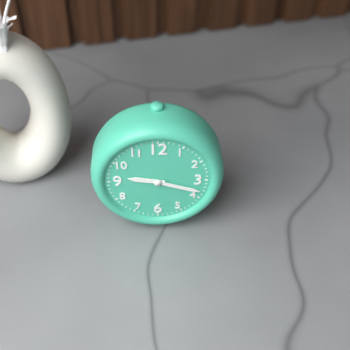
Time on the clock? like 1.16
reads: 9.18
